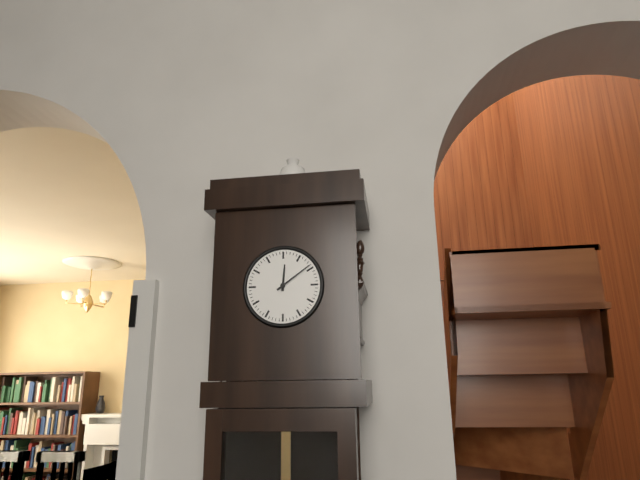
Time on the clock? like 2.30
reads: 12.09
